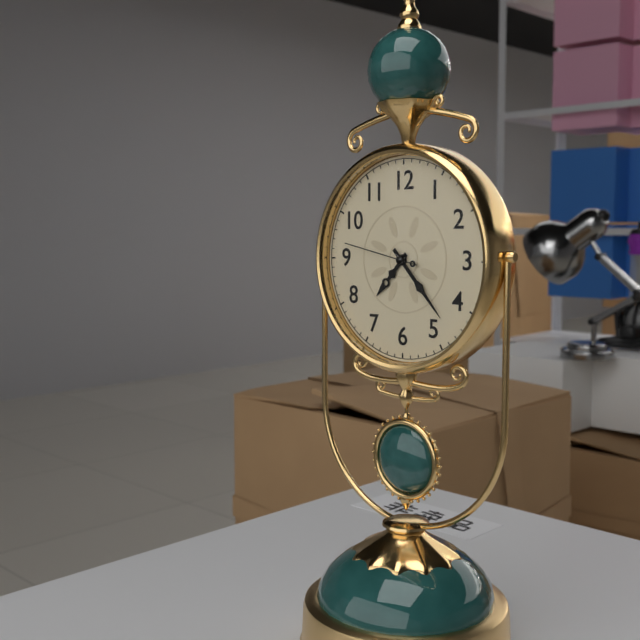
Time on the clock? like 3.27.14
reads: 7.23.47
